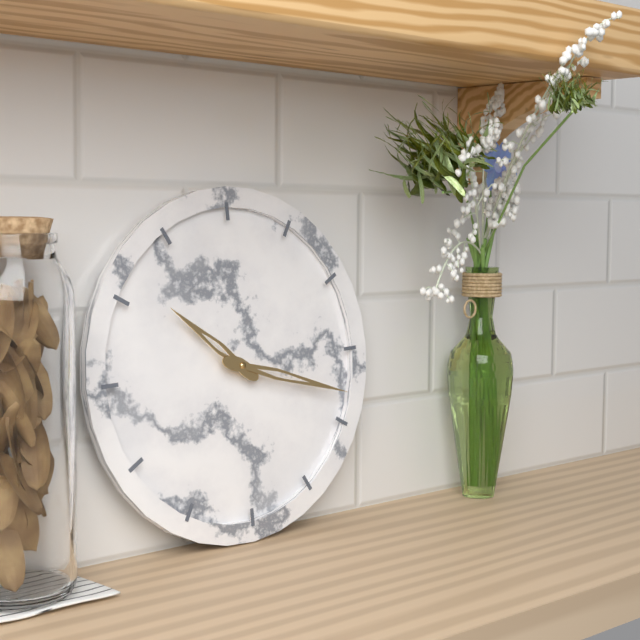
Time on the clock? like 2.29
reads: 10.18
